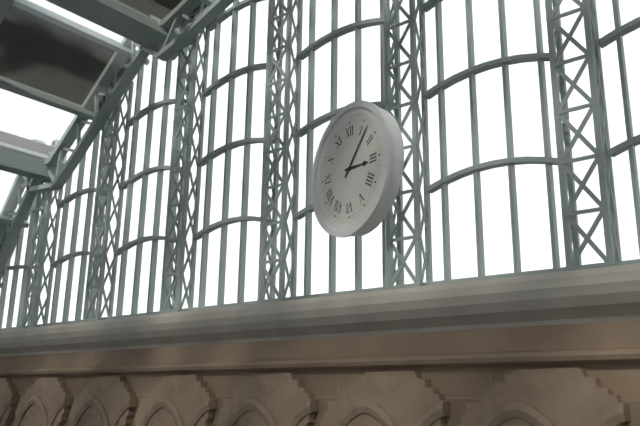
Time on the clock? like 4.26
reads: 3.07
